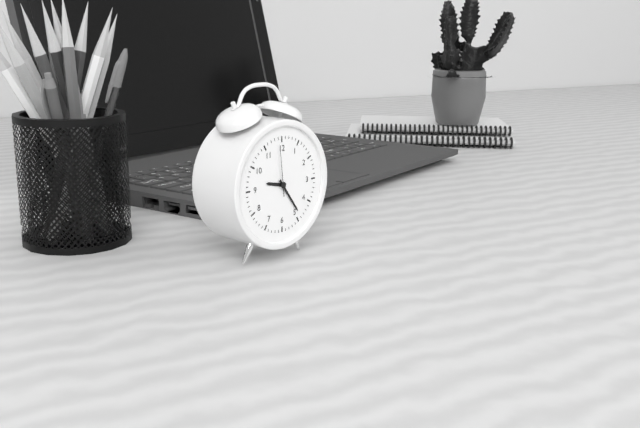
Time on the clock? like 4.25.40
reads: 9.24.59
